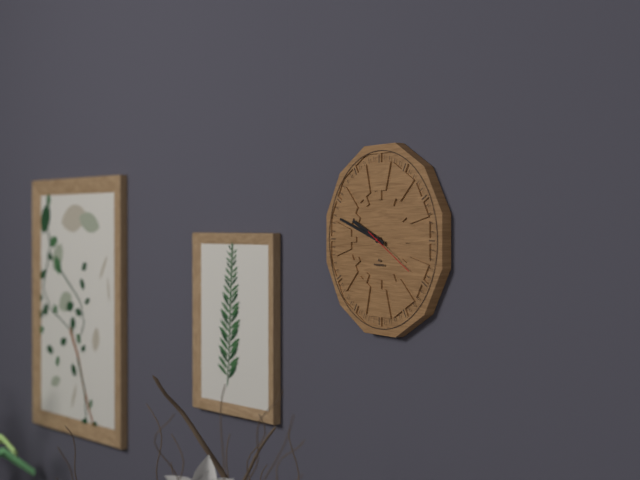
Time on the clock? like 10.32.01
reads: 9.48.20
